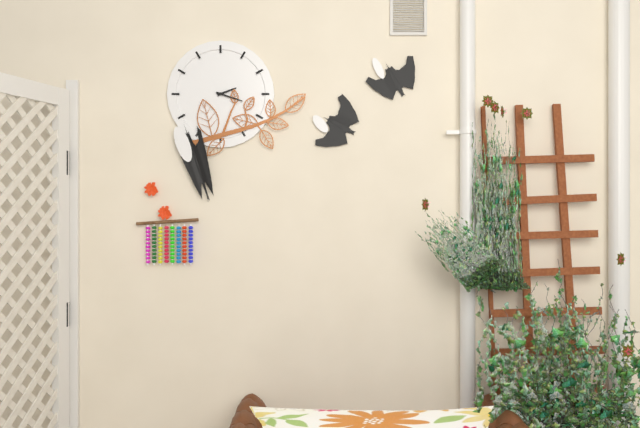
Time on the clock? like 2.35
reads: 2.18
